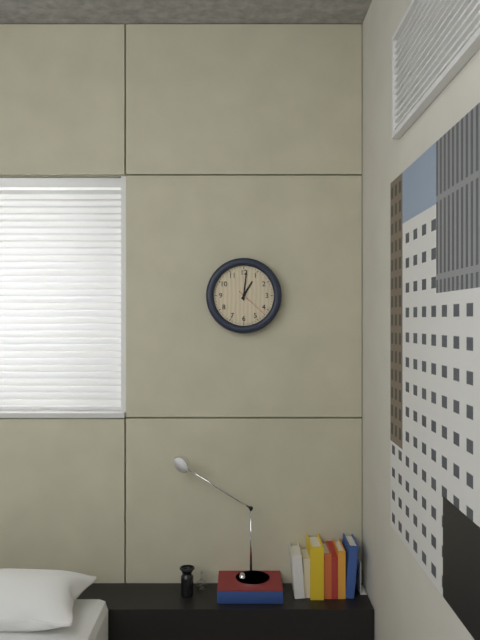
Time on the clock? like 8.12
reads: 1.01
